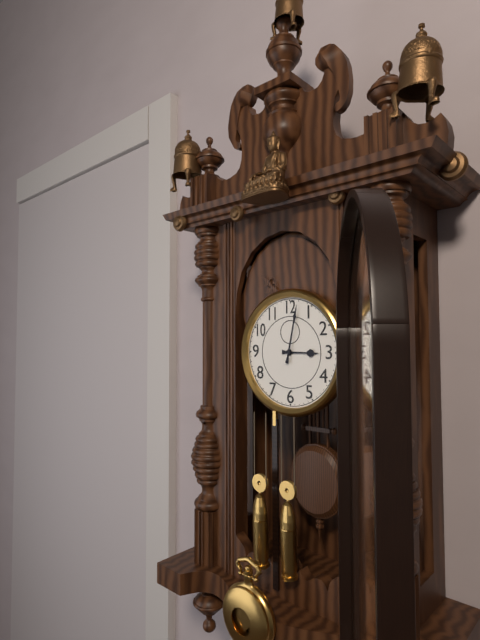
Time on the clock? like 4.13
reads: 3.02
